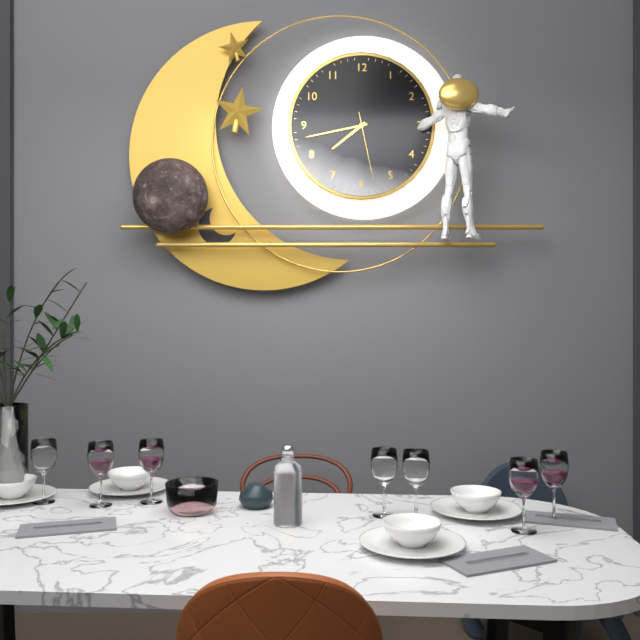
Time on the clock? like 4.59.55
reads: 7.43.28
